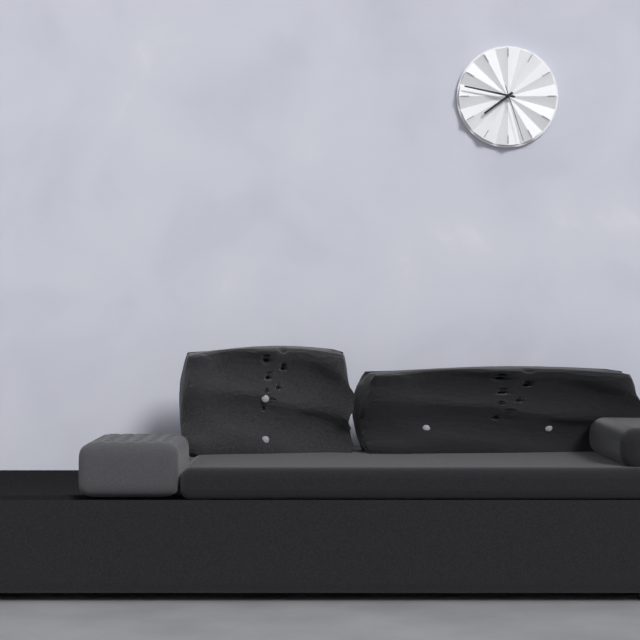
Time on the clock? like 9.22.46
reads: 7.47.27
